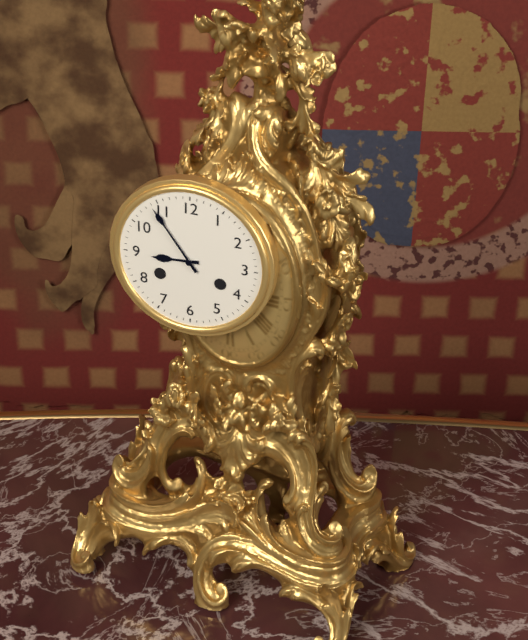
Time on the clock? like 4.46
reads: 8.54
